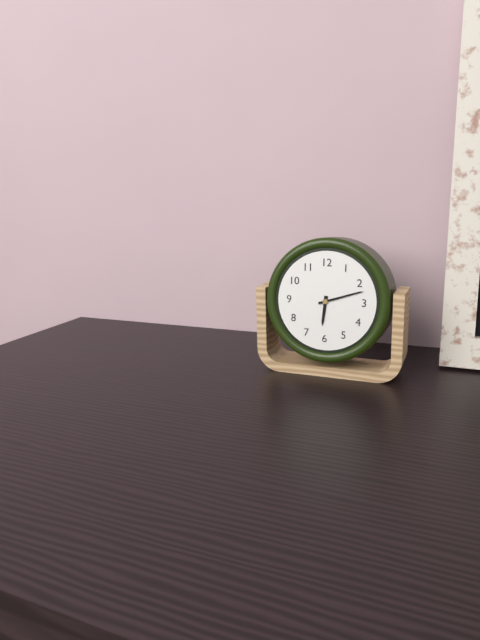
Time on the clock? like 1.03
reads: 6.12
